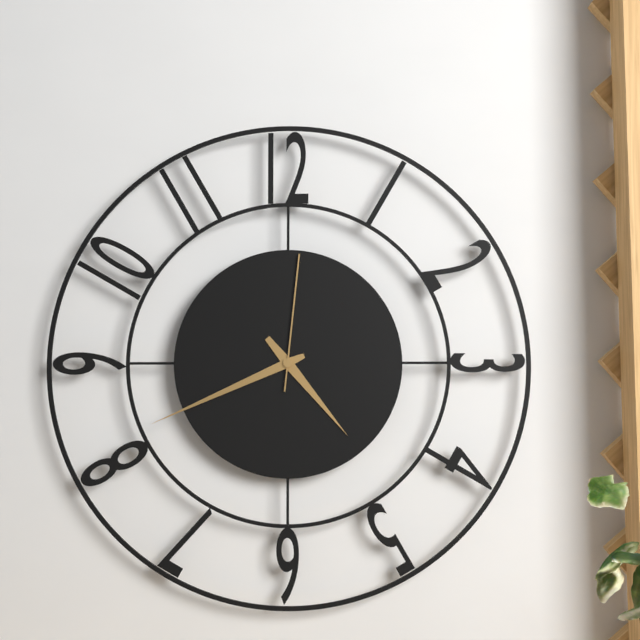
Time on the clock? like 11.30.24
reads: 4.41.01
